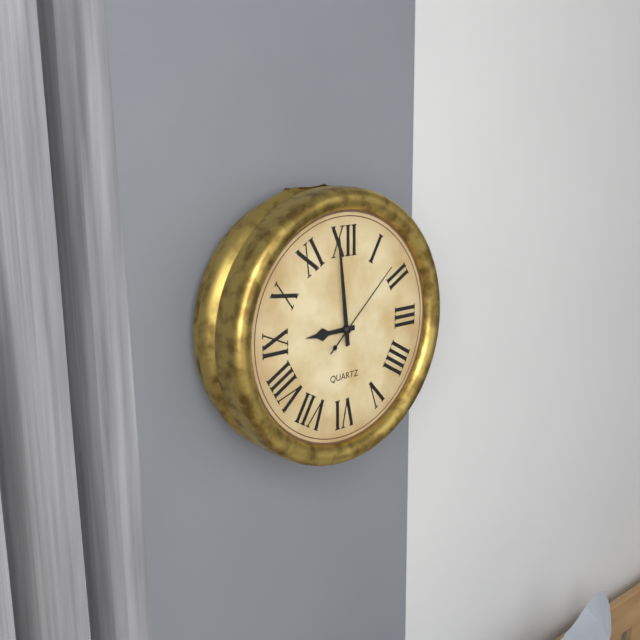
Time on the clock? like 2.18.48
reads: 8.59.08
